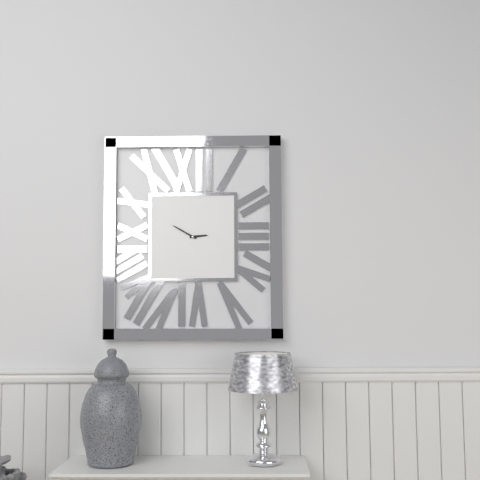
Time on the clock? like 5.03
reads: 2.50
